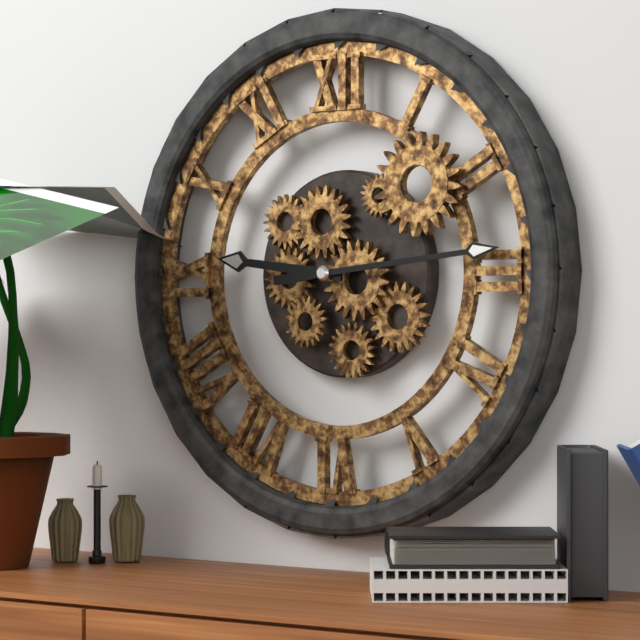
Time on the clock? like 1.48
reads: 9.14
